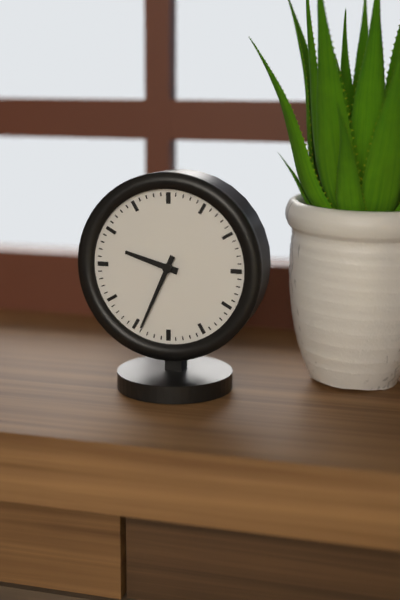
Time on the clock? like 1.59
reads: 9.34
